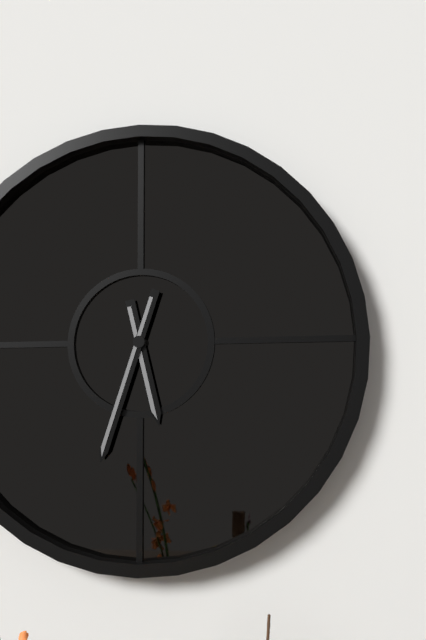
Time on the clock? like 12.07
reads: 5.33
